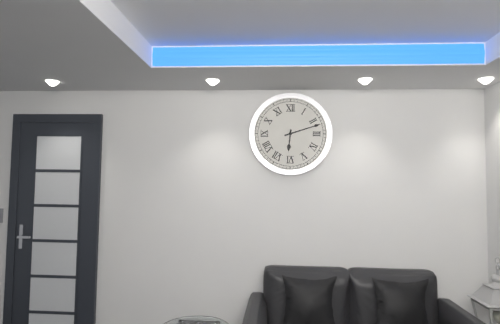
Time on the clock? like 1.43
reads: 6.12
